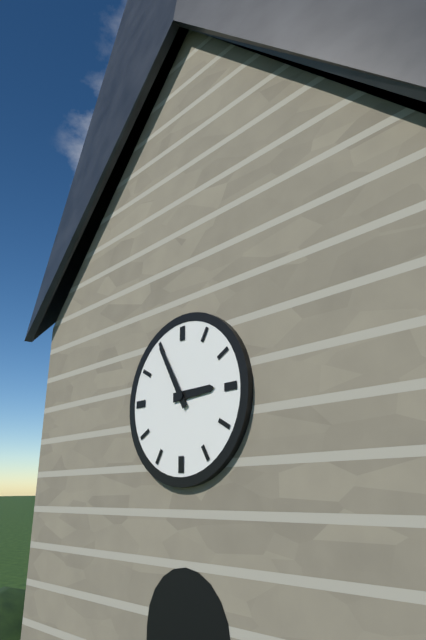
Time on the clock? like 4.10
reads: 2.55
